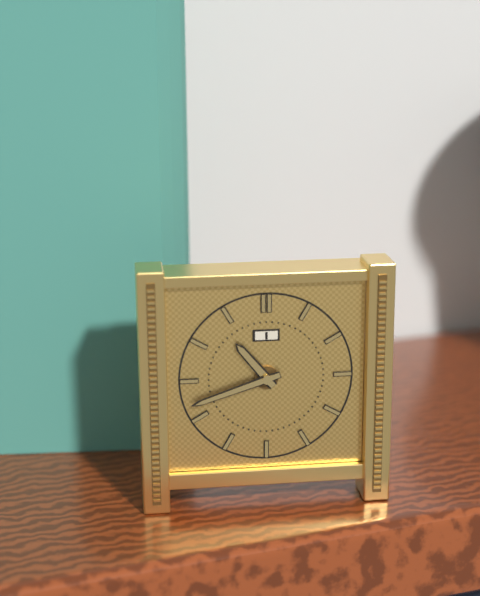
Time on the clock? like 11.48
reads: 10.42
